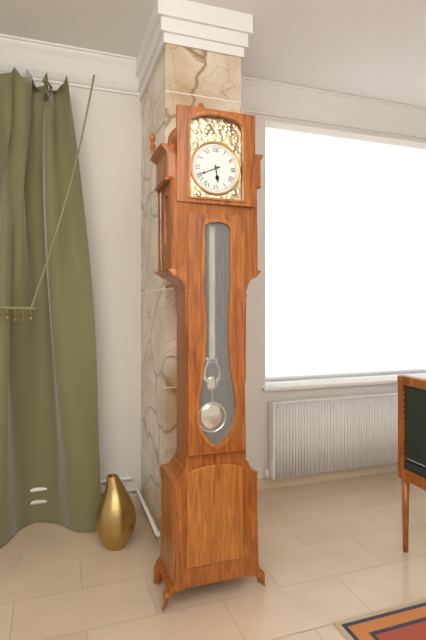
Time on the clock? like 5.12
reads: 5.41
